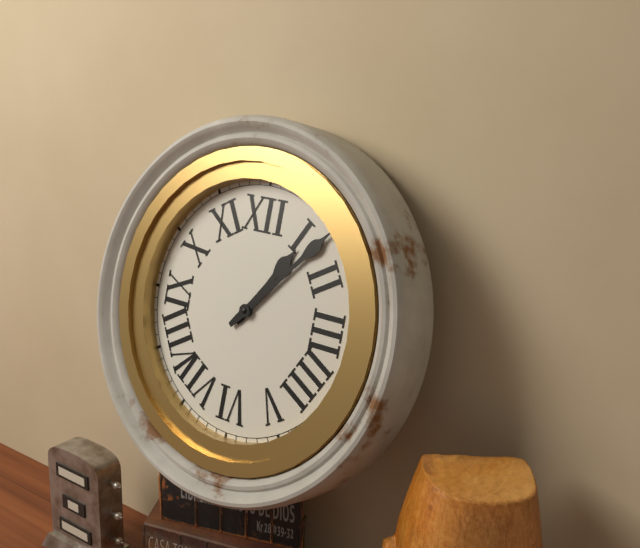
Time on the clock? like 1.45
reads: 1.07
